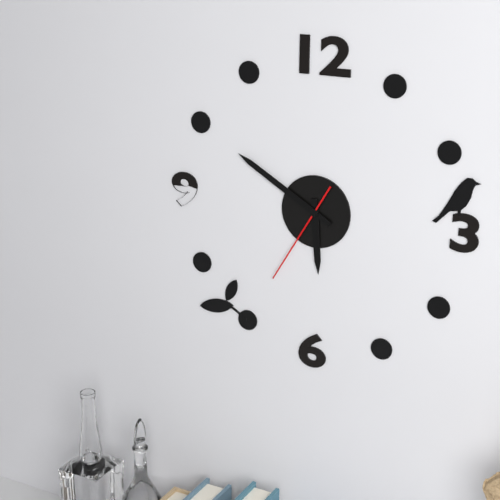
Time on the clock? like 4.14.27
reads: 5.50.35
